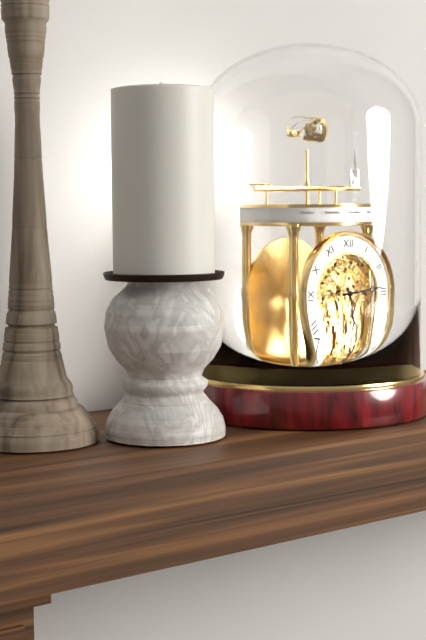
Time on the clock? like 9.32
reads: 5.14
